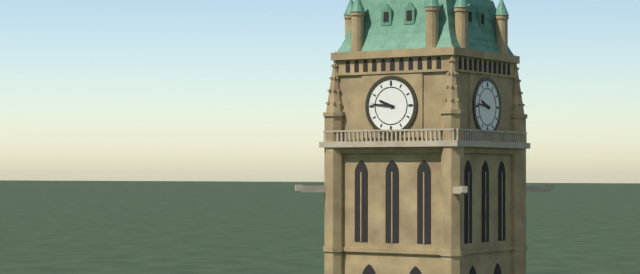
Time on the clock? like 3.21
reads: 9.46
